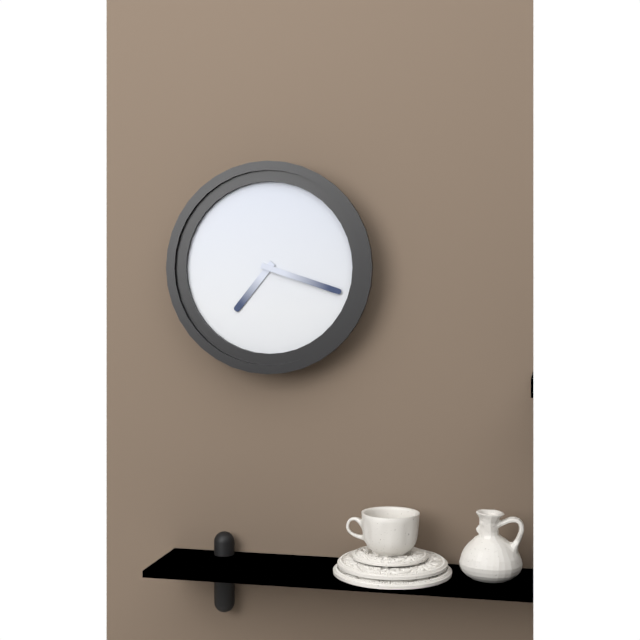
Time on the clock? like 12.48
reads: 7.18
